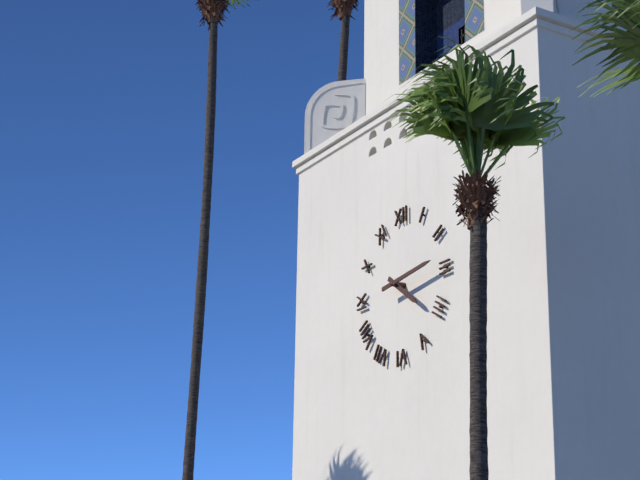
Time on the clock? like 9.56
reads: 4.14
